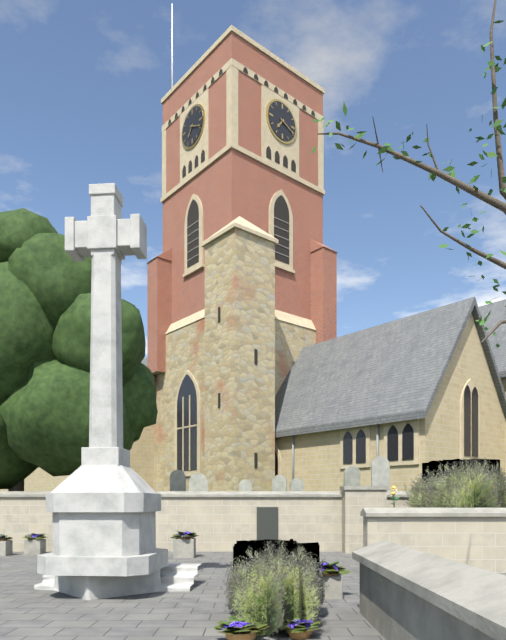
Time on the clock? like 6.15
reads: 7.19
